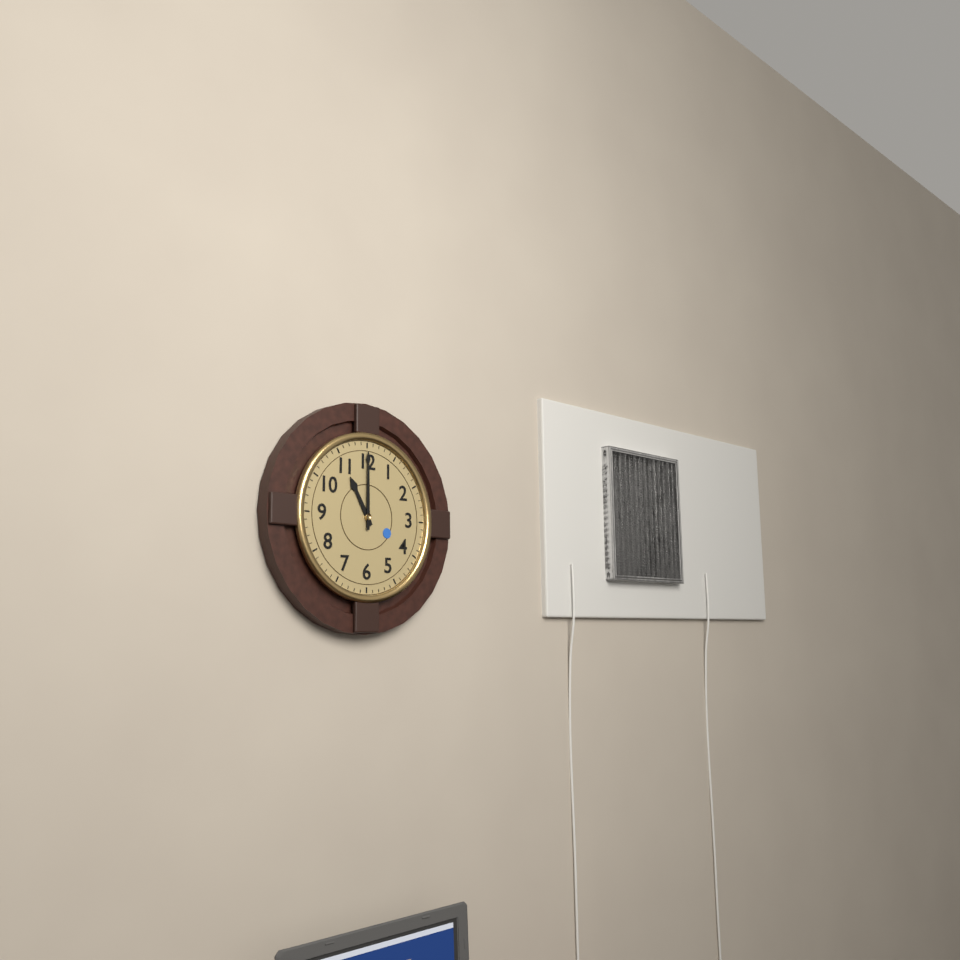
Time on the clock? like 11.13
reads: 11.00
